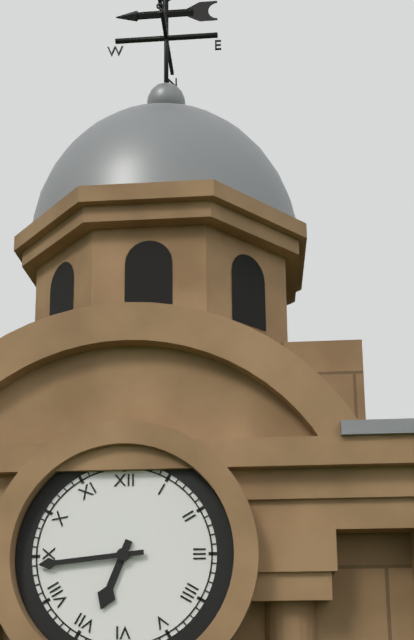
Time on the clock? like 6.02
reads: 6.44
